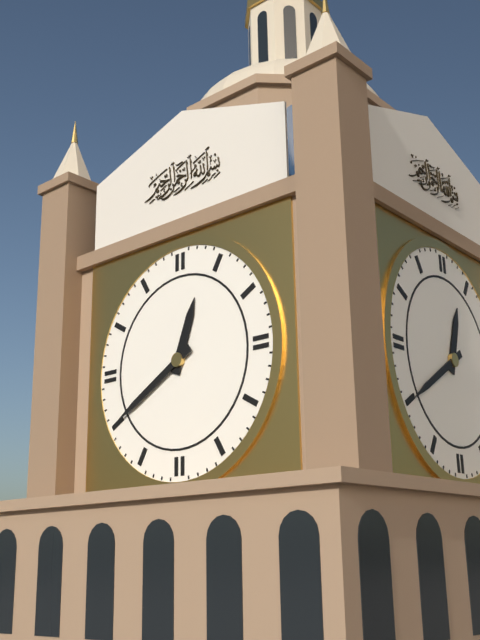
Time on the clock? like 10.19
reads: 12.40
